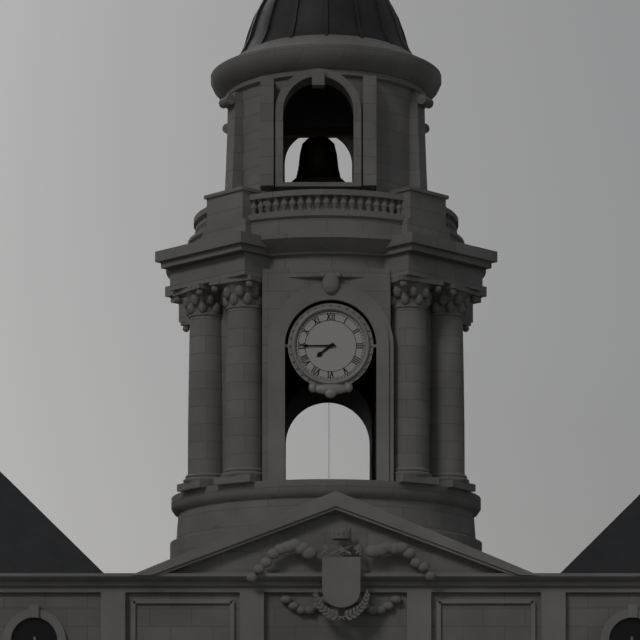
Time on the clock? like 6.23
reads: 7.45
